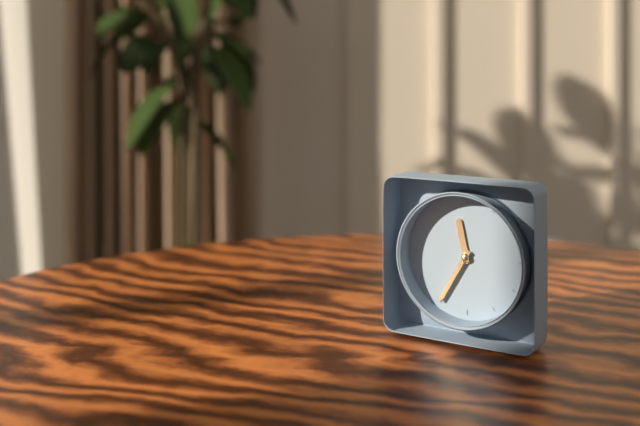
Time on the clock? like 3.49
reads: 11.35
